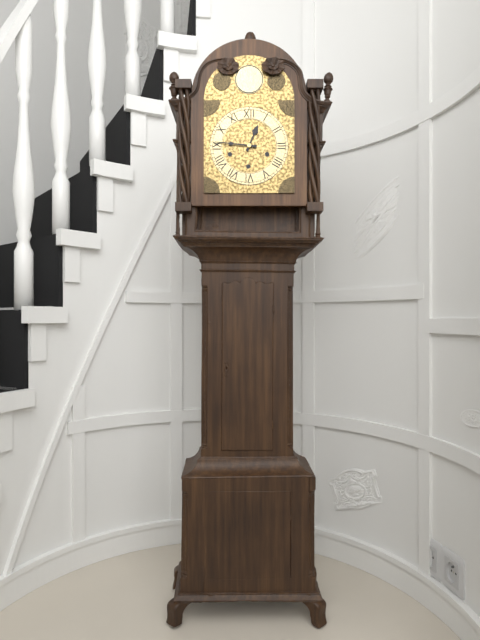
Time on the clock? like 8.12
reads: 12.46
